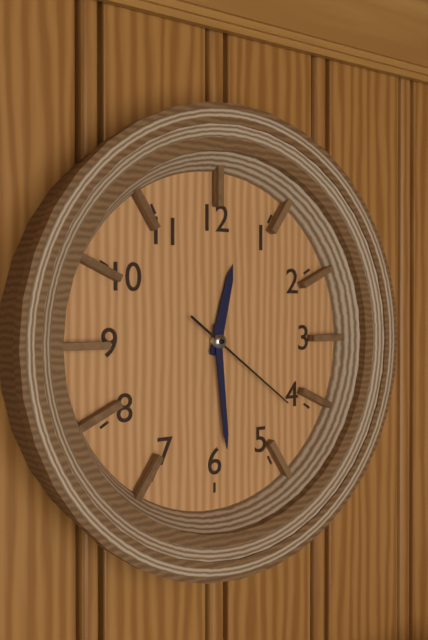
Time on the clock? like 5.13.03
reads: 12.29.21
